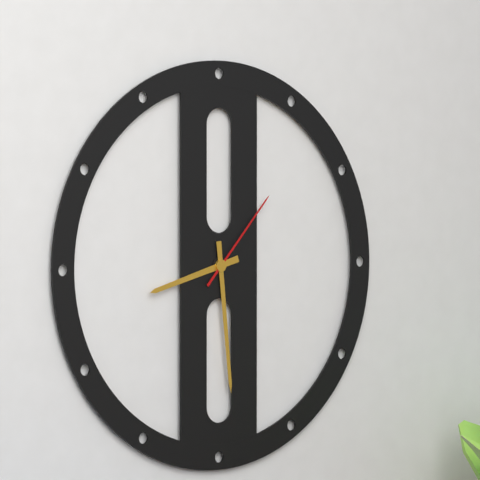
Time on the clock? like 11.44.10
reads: 8.29.07
